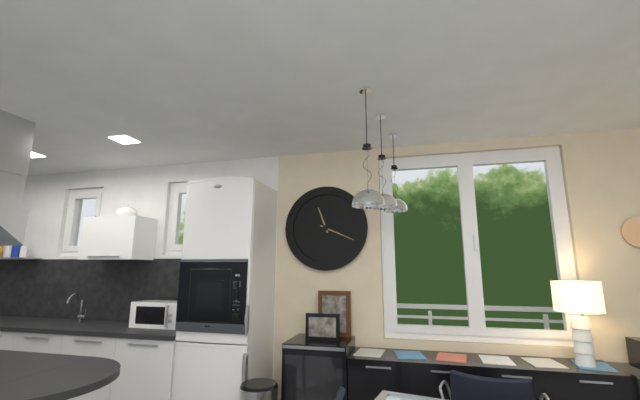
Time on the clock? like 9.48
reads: 11.19
